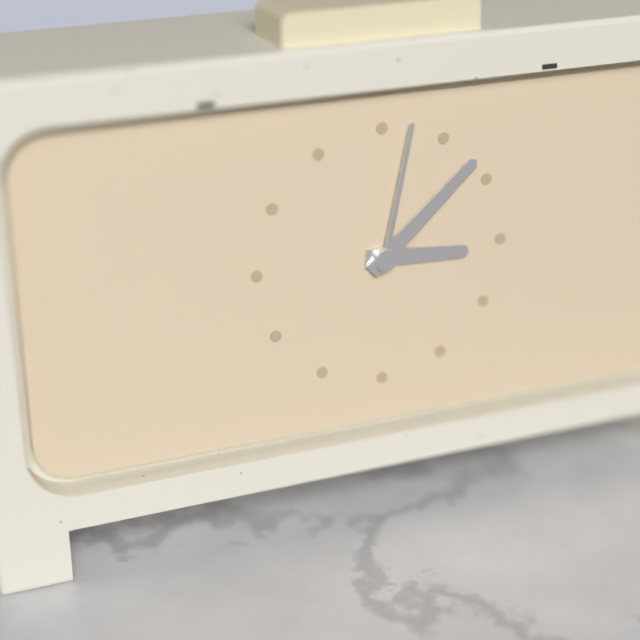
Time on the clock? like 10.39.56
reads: 3.08.02
